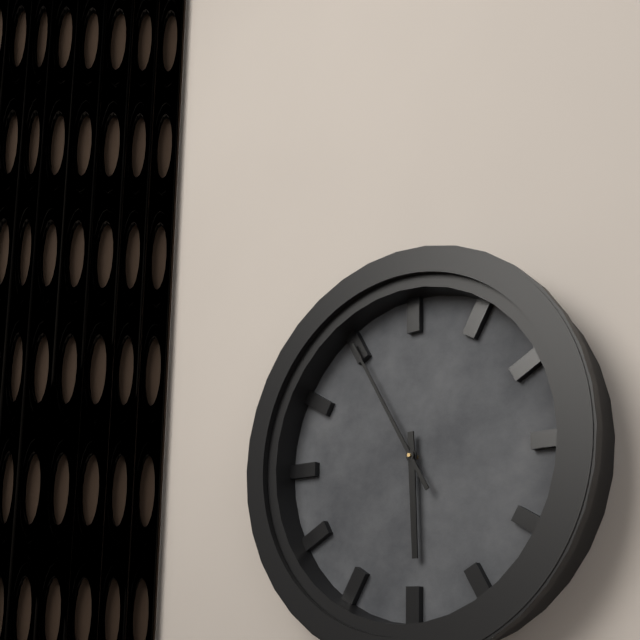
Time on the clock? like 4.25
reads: 5.55
